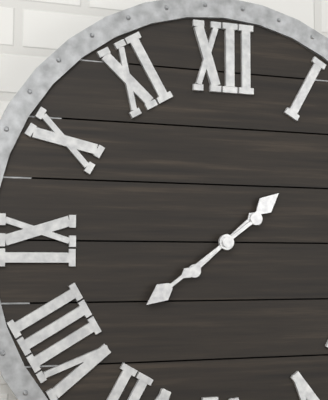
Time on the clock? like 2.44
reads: 1.39
